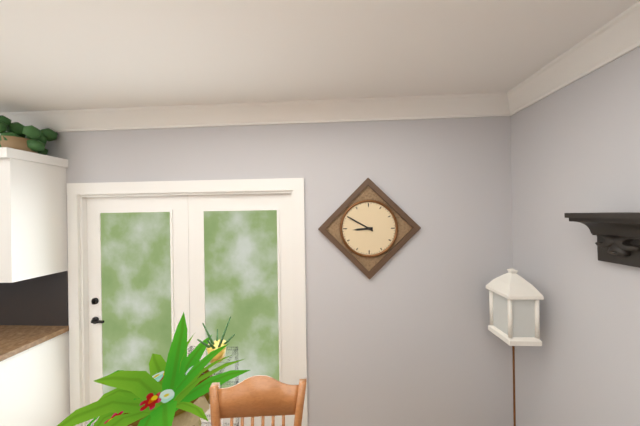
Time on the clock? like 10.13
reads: 8.50
